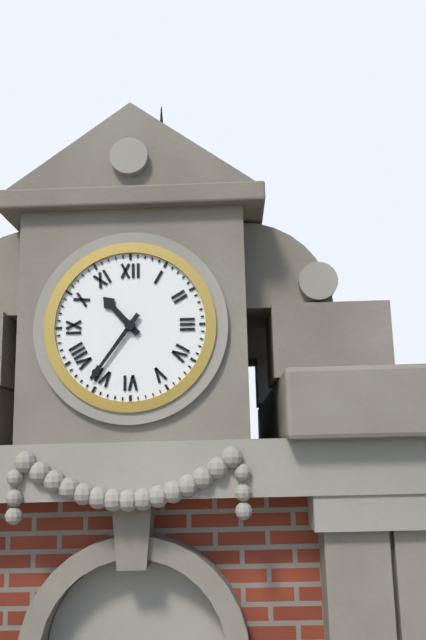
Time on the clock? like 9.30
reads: 10.36
